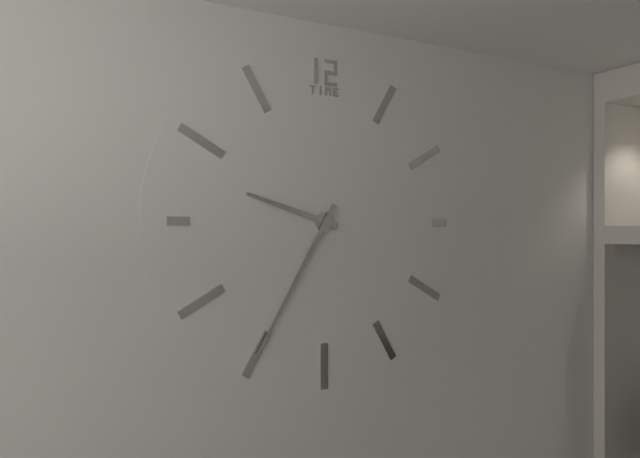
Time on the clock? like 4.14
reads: 9.35
